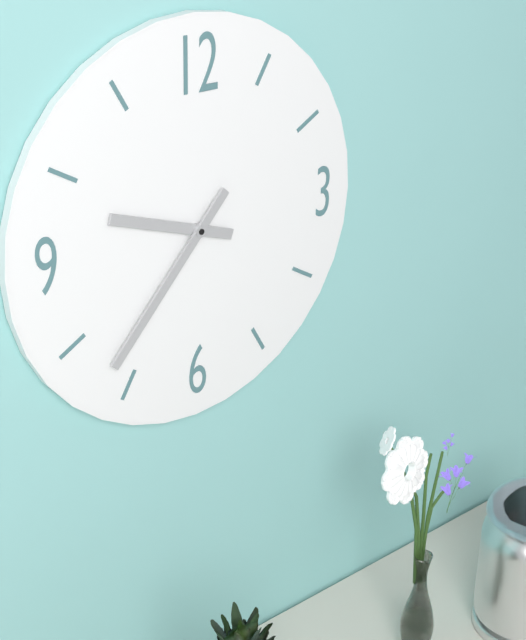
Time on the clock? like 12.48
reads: 9.37
